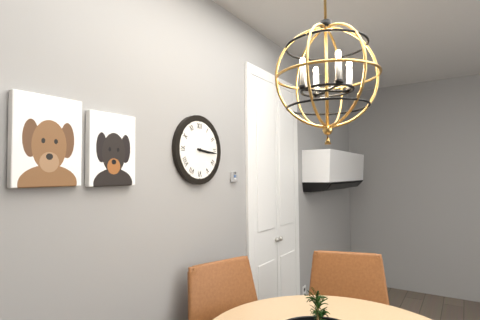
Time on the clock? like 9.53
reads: 3.16
